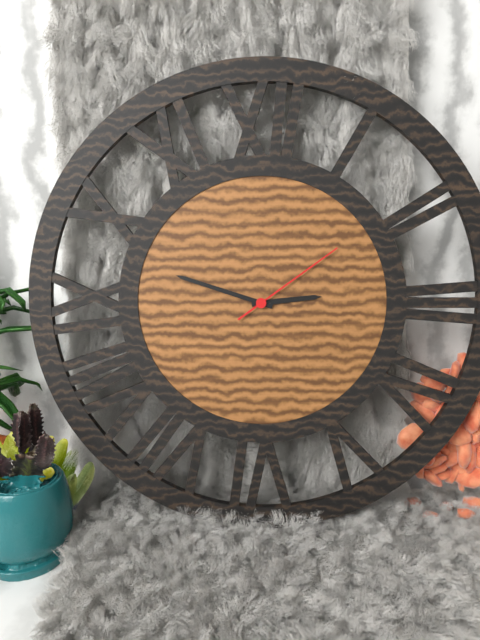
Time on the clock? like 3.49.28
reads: 2.48.09
